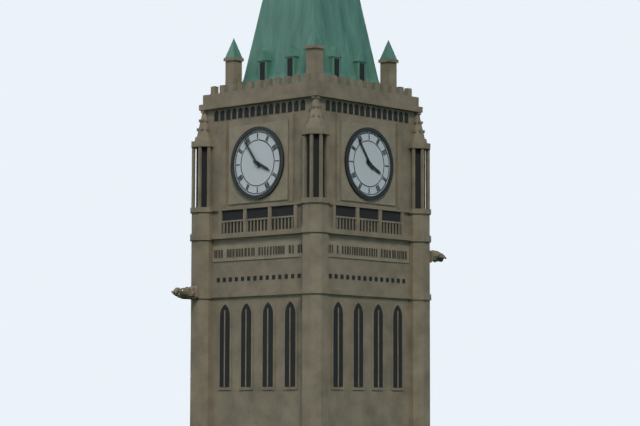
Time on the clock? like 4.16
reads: 3.54
